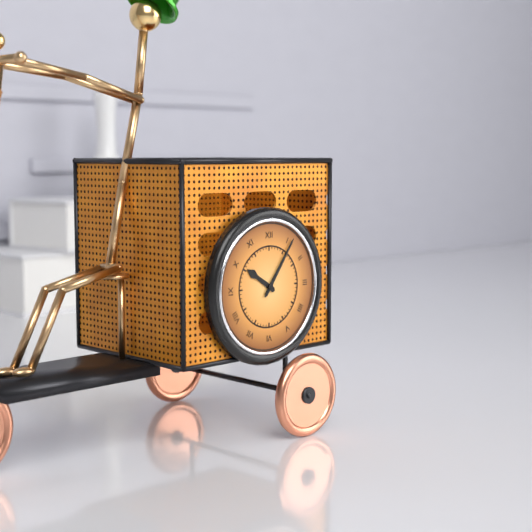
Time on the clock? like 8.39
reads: 10.06
